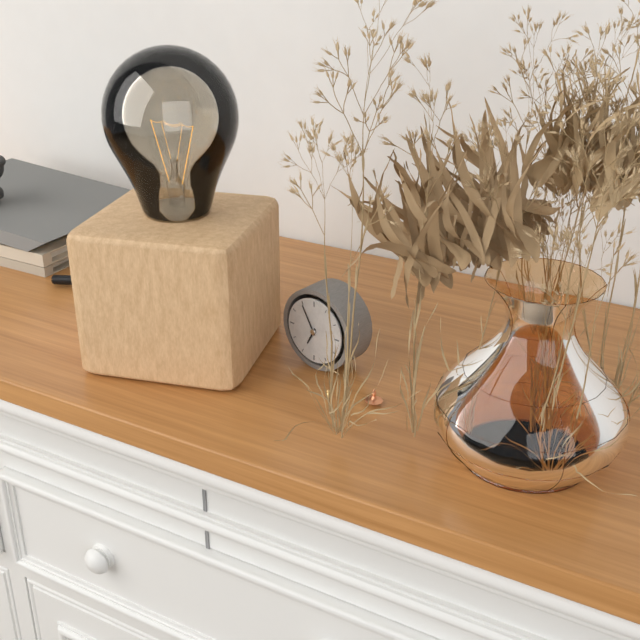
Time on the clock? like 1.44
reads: 6.55
